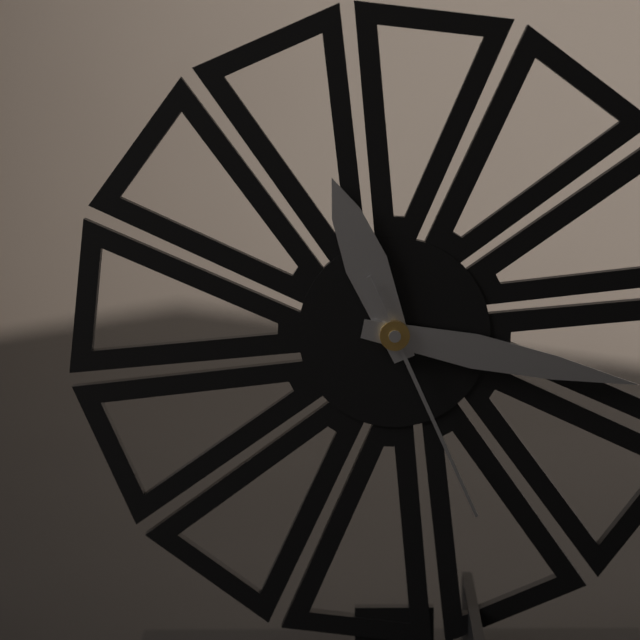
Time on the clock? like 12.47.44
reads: 11.17.26
